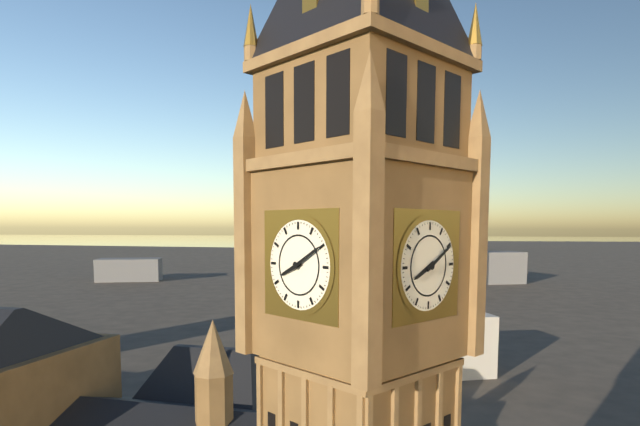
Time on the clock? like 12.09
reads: 8.10
